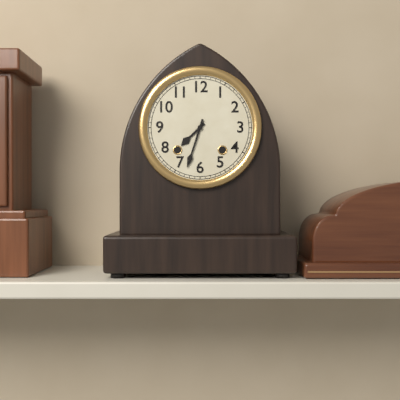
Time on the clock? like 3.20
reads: 7.33
